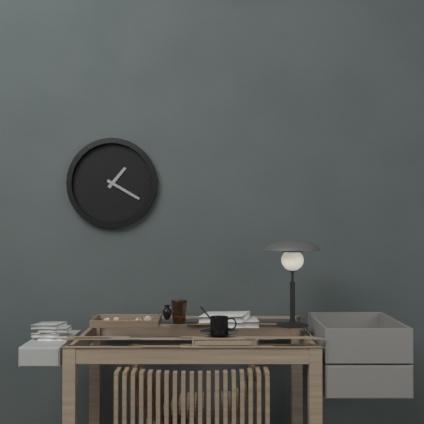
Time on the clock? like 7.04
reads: 1.20
